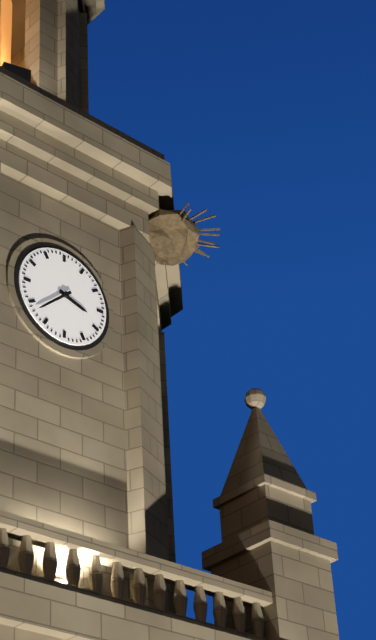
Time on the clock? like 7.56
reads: 3.38
